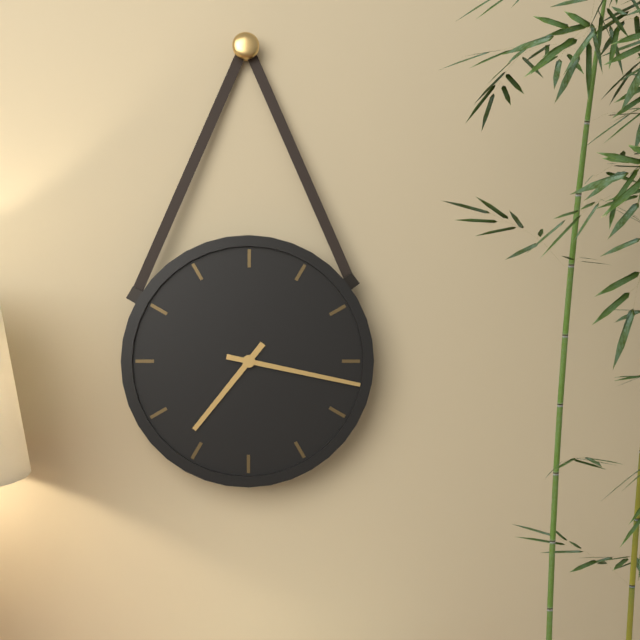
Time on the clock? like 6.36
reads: 7.17
